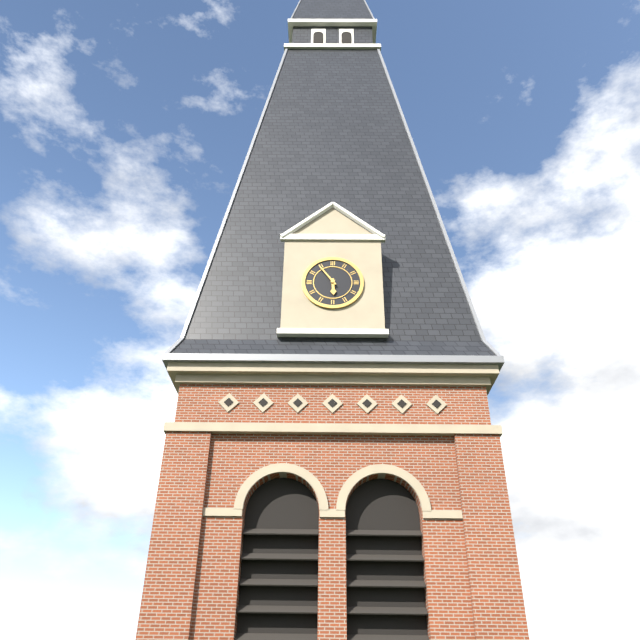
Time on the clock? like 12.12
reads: 5.54
